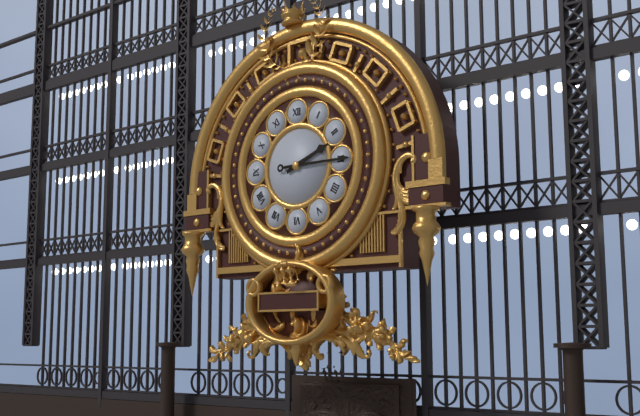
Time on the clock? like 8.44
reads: 2.15
